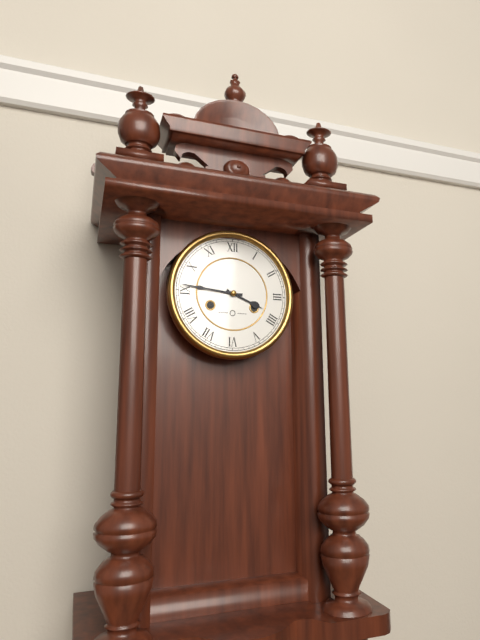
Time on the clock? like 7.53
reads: 3.46
